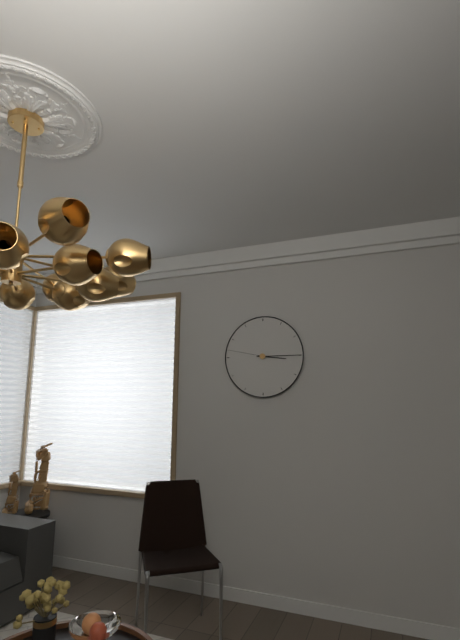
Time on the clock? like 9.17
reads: 3.15
